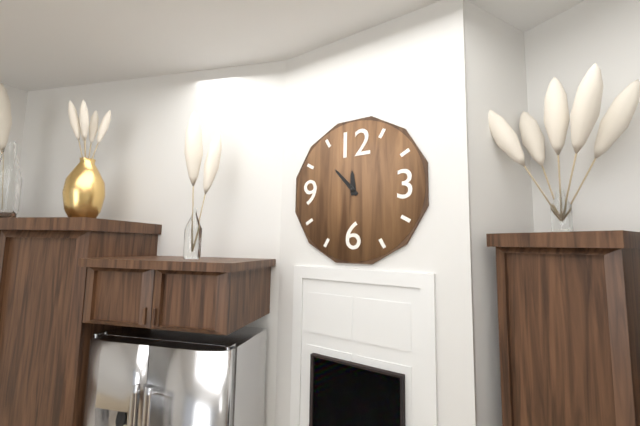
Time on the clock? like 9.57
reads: 11.53
